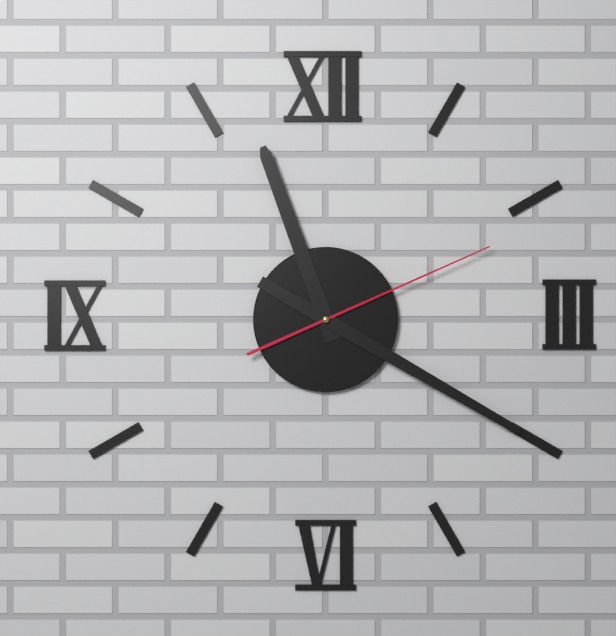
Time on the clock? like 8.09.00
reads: 11.20.11
